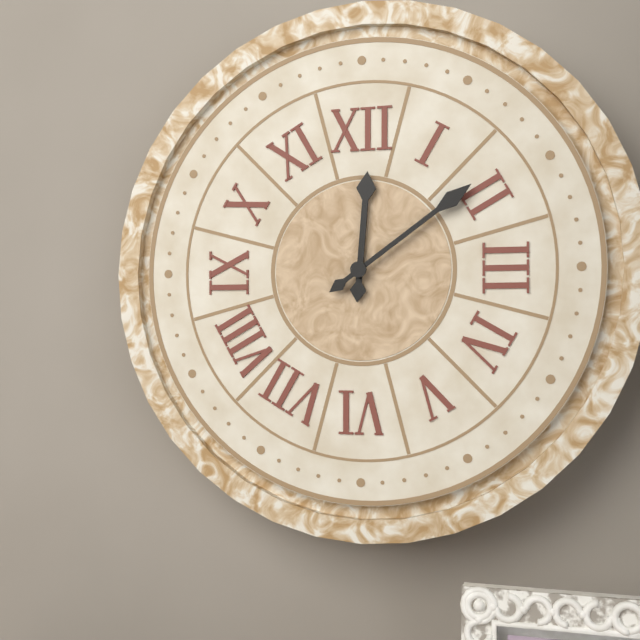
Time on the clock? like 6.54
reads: 12.09
